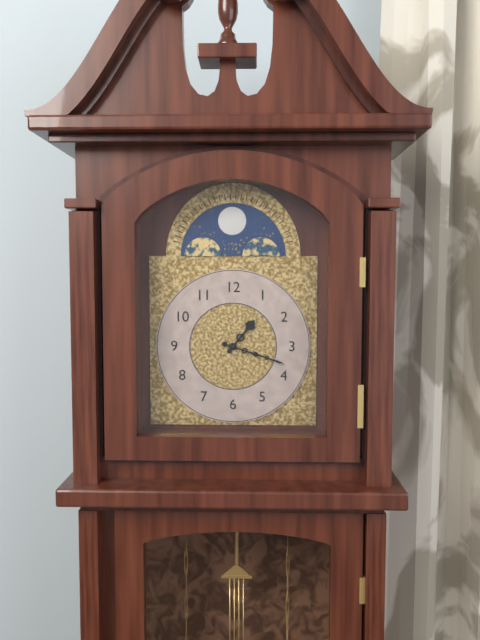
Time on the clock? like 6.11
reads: 1.18
